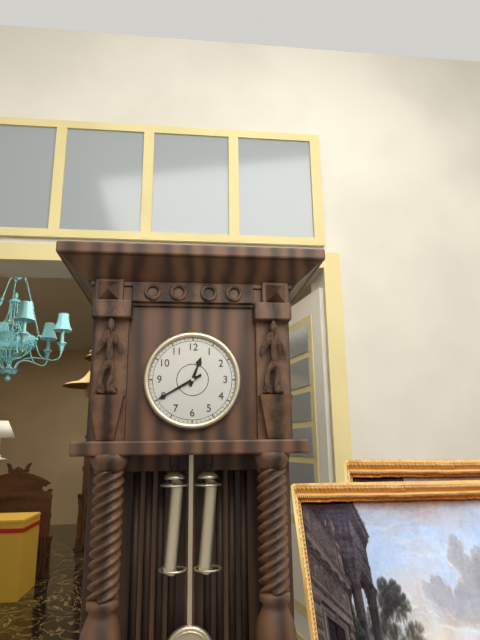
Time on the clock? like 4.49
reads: 12.40
